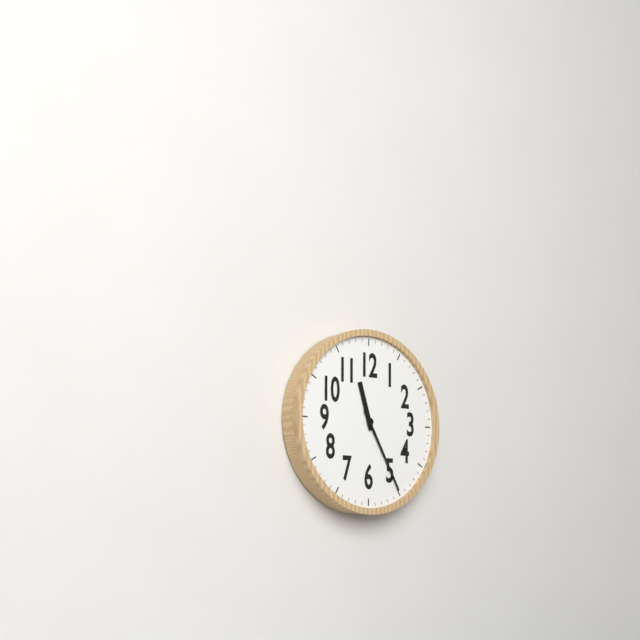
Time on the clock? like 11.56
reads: 11.25
